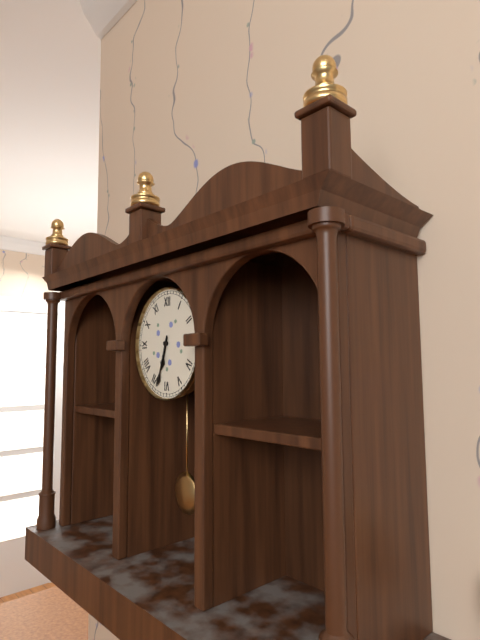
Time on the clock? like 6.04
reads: 6.33
